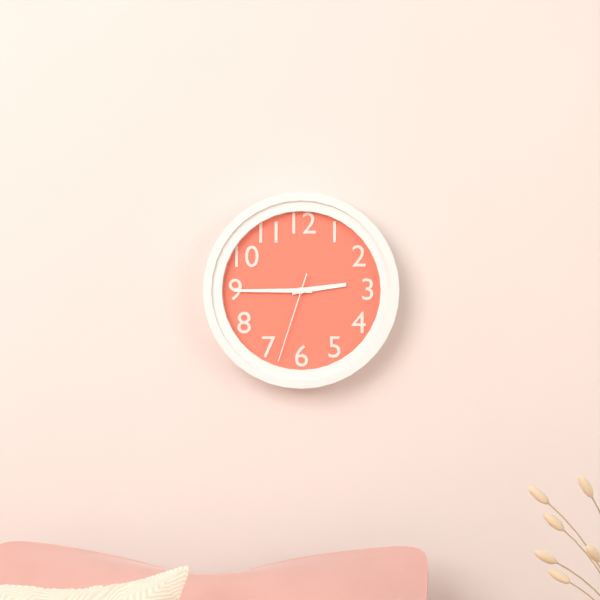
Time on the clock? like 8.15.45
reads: 2.45.33
